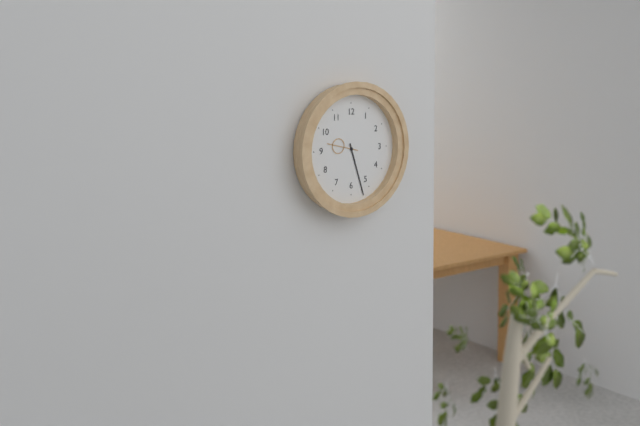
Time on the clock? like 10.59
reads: 9.27
